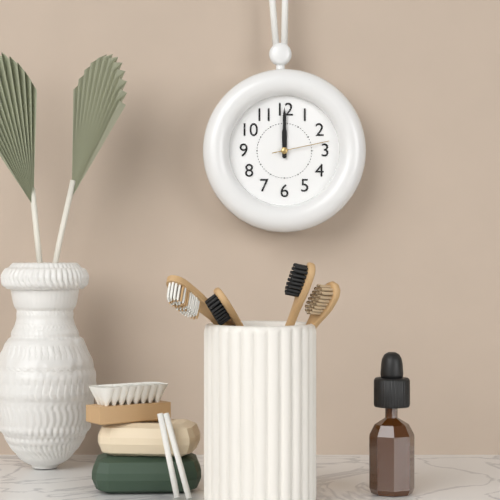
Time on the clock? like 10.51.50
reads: 12.00.13
